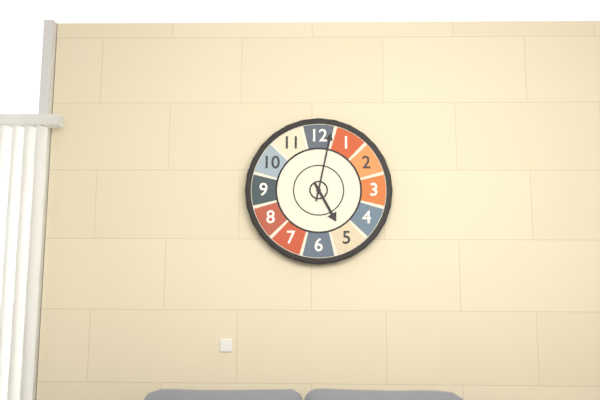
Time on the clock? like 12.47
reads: 5.02
